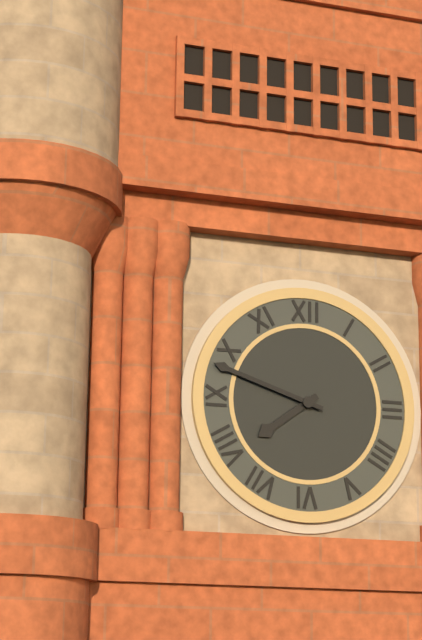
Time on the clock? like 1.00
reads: 7.48
